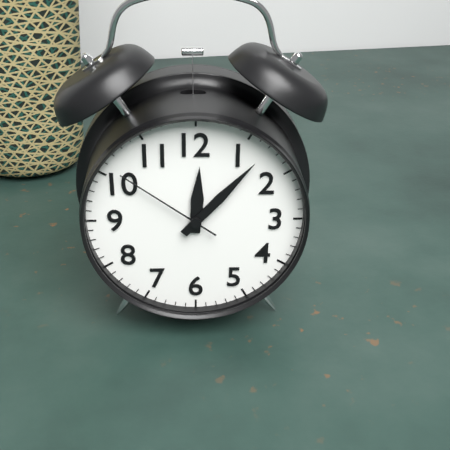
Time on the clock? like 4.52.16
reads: 12.07.51
